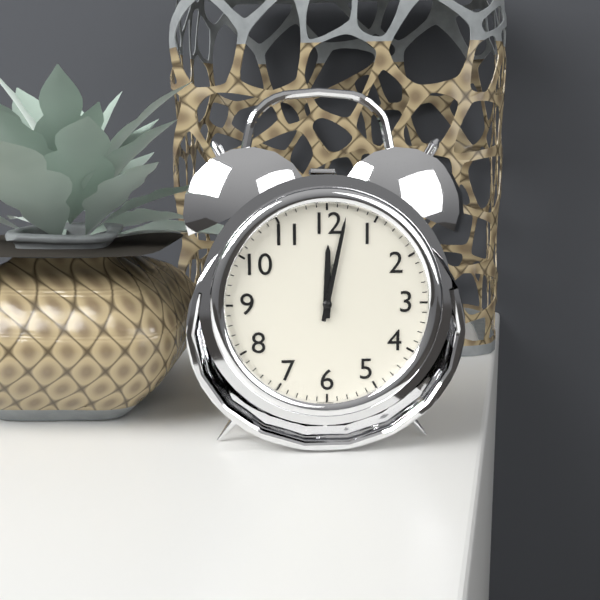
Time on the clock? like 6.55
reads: 12.02
